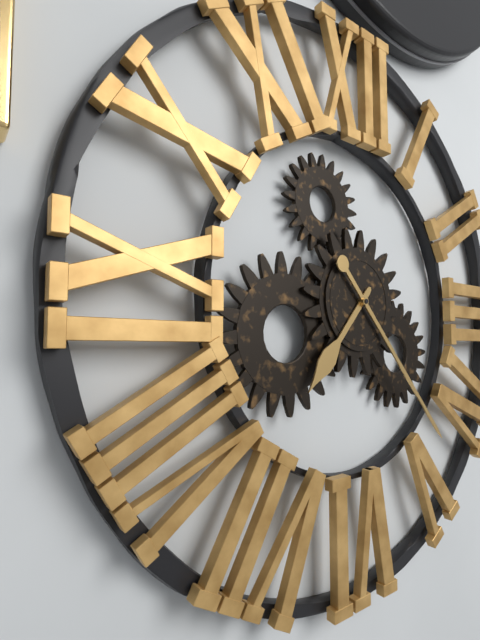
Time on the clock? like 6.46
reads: 7.23
